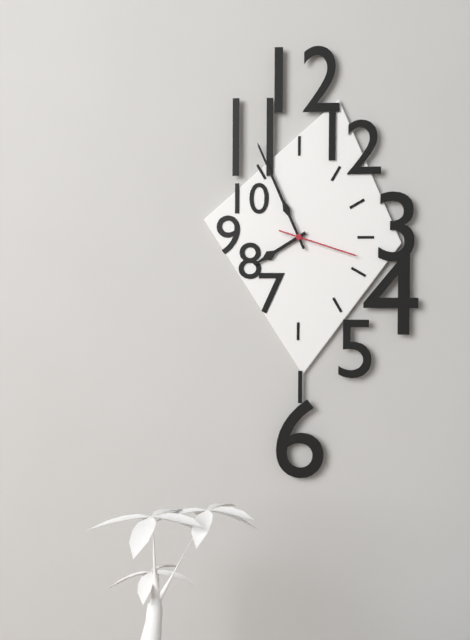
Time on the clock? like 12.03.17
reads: 7.56.18
